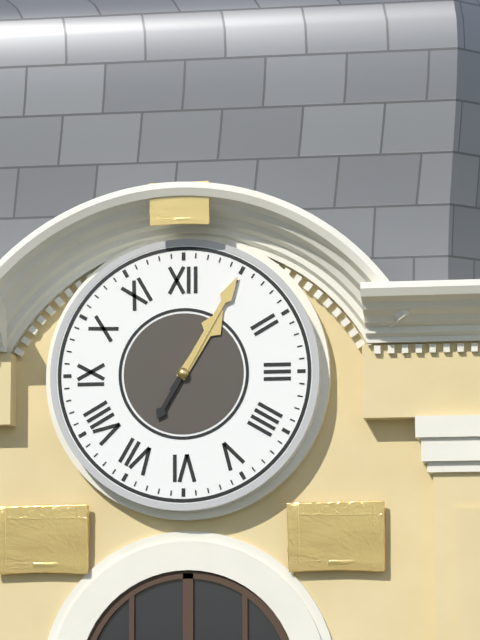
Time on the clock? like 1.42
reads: 1.05
